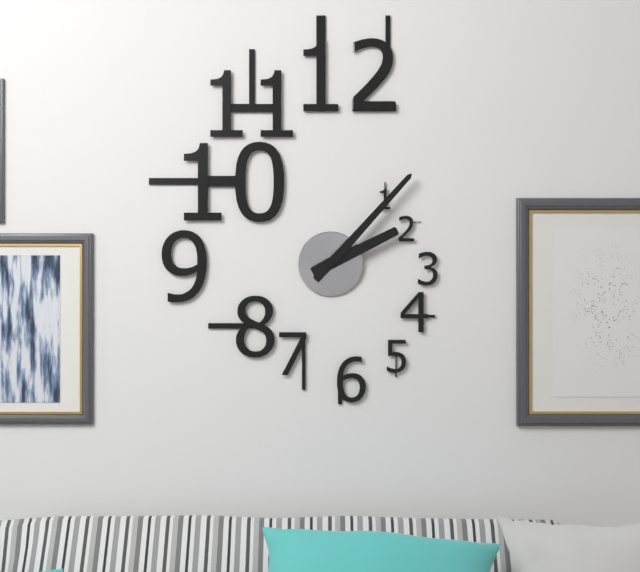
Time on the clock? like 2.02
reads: 2.07
